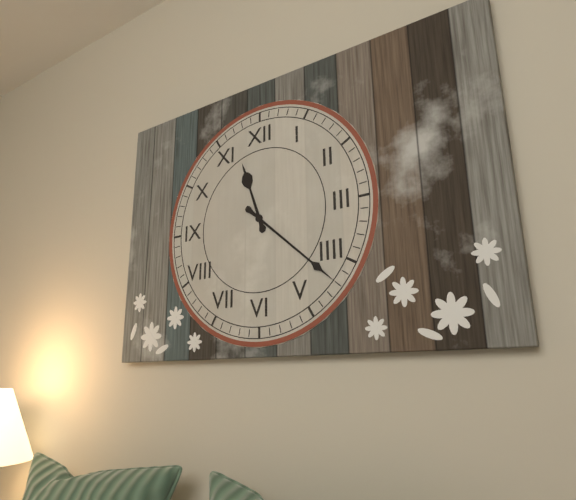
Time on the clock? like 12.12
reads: 11.22
